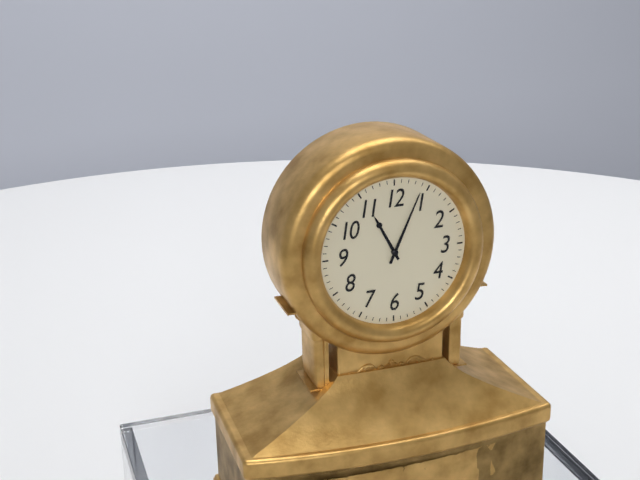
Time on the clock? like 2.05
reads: 11.04
